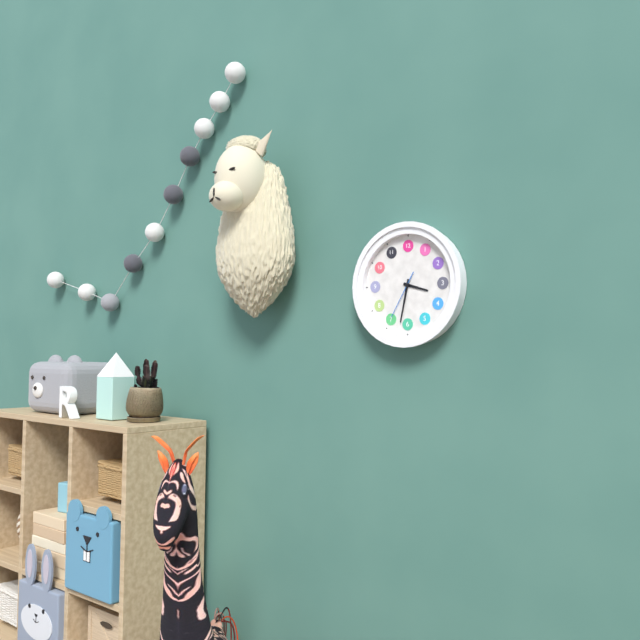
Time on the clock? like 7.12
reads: 3.32
